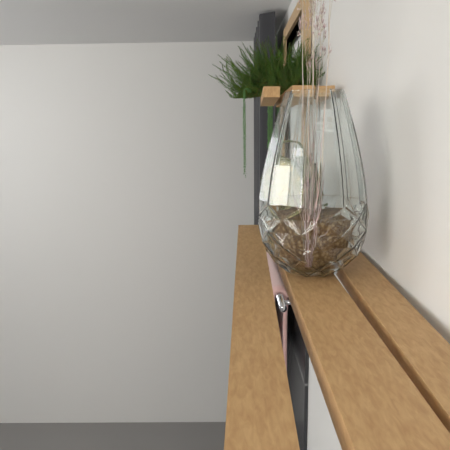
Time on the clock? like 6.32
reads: 7.34
